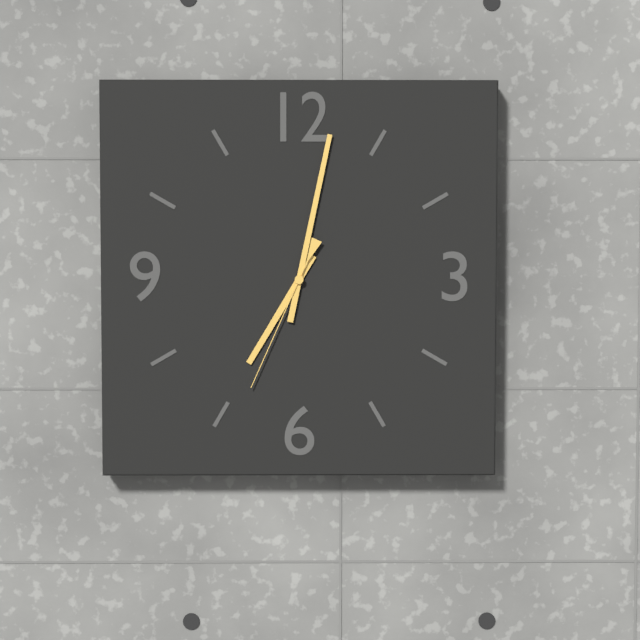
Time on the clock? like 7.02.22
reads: 7.02.34
